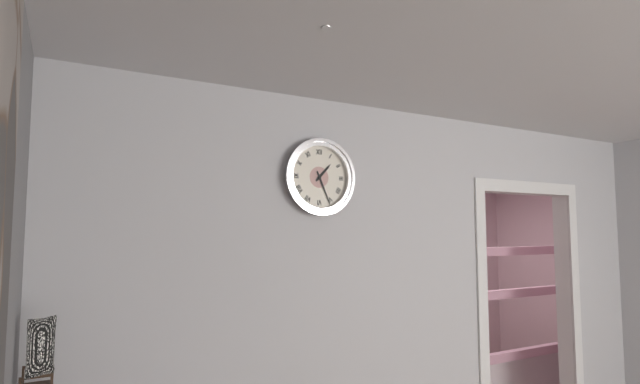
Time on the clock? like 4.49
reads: 1.26
